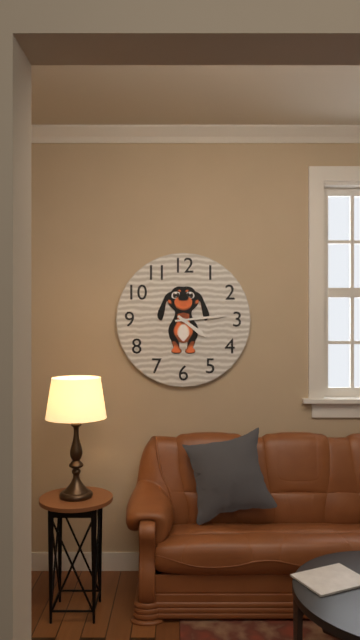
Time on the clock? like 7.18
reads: 4.14
